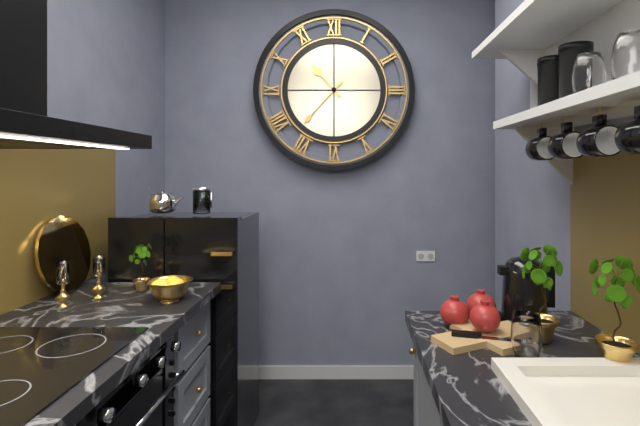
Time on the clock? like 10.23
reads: 10.37
